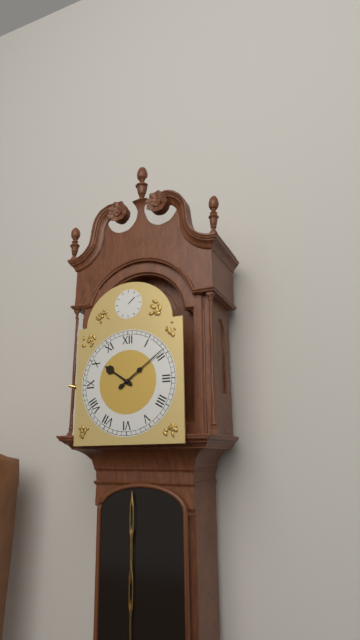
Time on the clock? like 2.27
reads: 10.09
